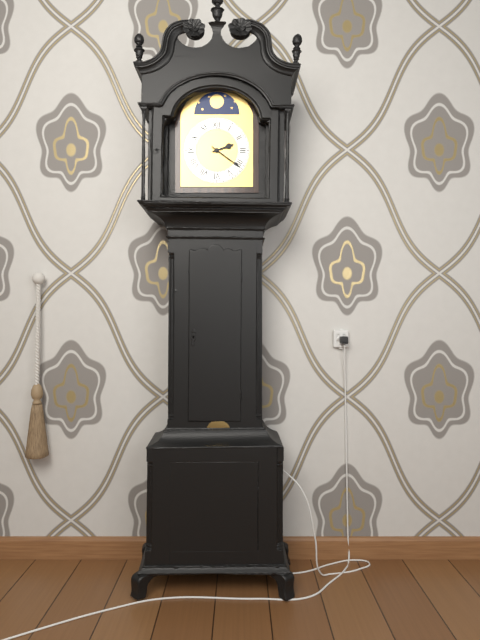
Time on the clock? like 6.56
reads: 2.21
